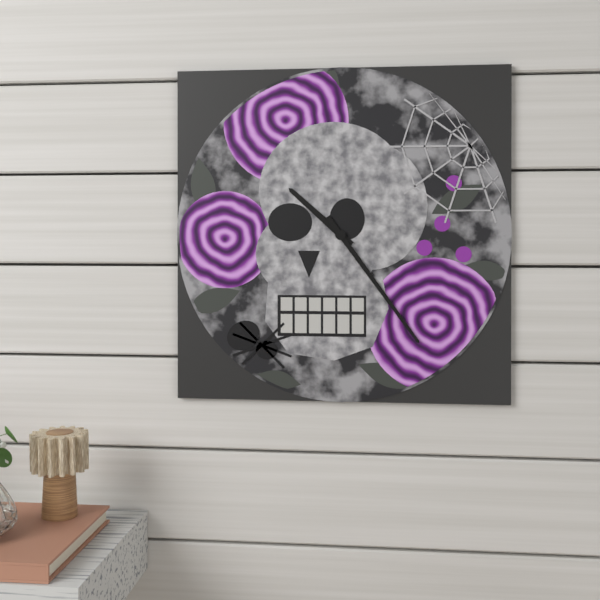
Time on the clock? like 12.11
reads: 10.24
